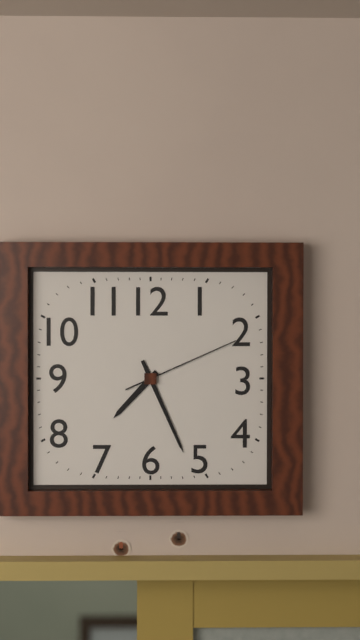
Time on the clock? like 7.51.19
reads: 7.26.11
